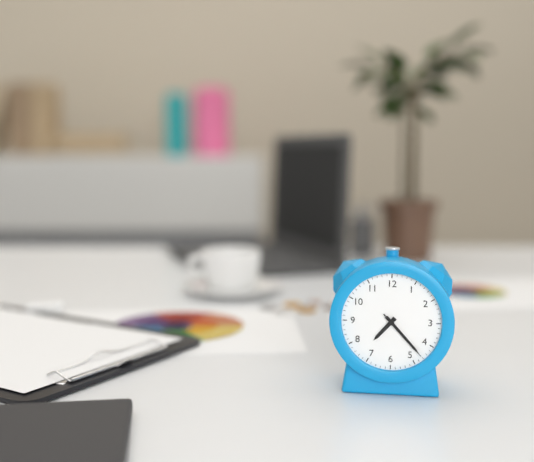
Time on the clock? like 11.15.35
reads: 7.23.23
